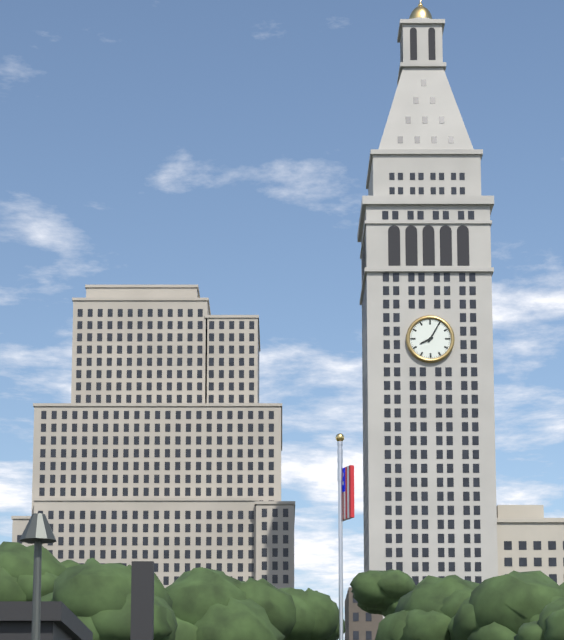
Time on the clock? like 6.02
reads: 8.05
